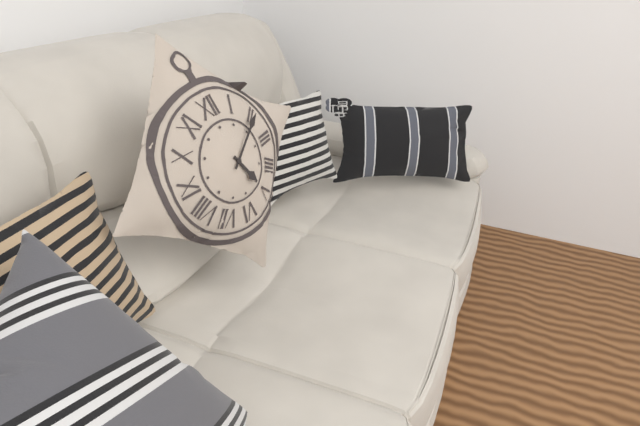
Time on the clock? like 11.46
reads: 5.09
